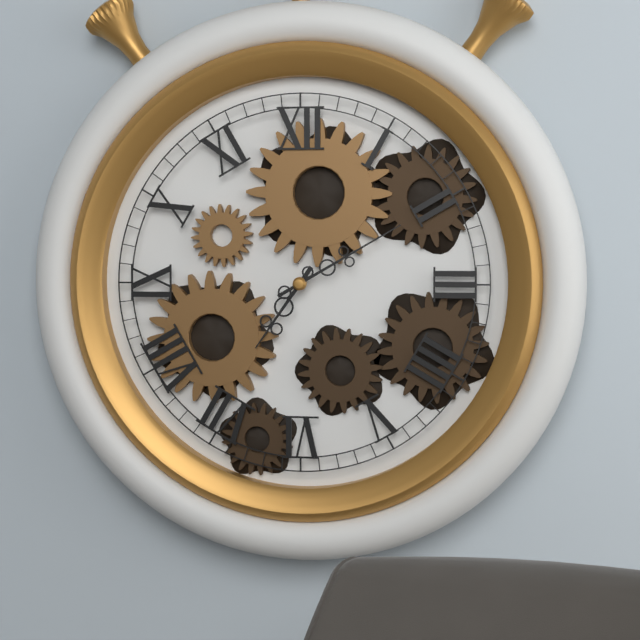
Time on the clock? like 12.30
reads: 7.10
